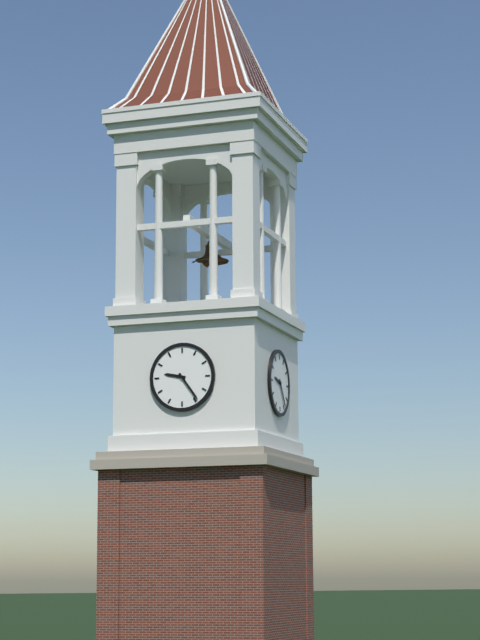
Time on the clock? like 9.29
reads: 9.24
